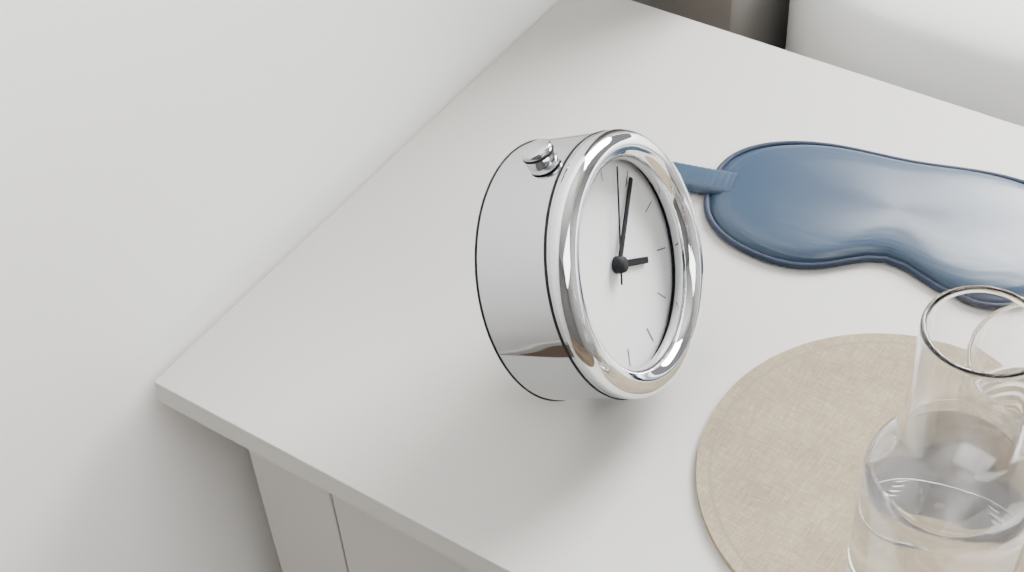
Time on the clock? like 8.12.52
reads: 4.10.07
